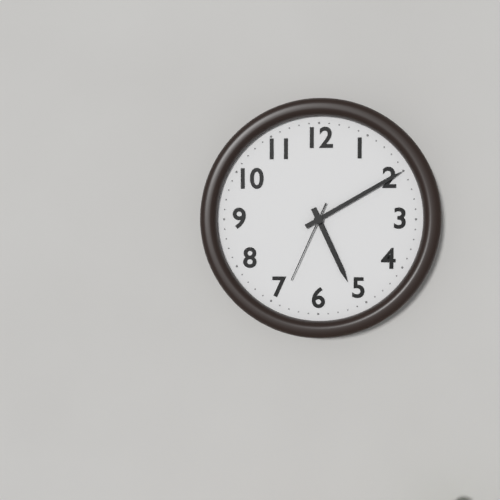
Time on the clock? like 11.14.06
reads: 5.10.34
